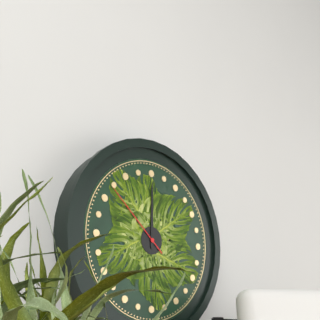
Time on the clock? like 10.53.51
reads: 12.00.52
